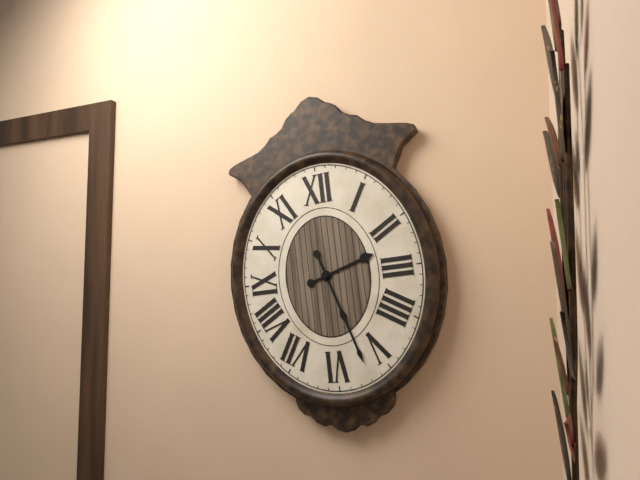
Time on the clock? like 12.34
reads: 2.27
